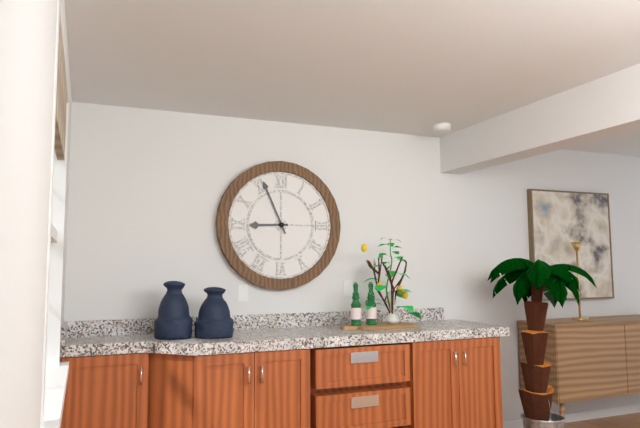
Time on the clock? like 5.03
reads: 8.56
